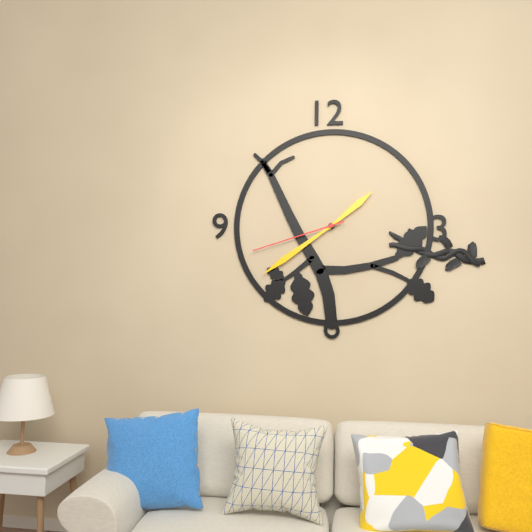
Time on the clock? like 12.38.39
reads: 1.39.42
